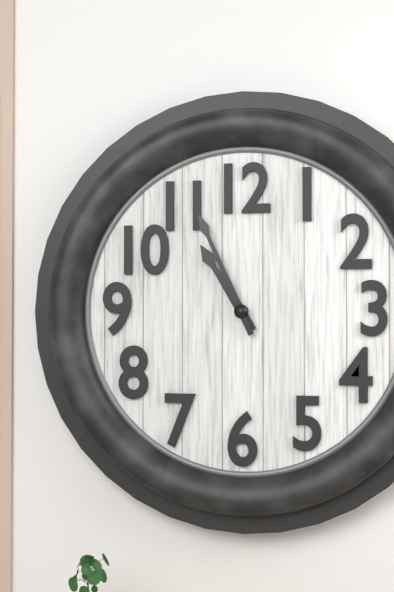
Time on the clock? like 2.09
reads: 10.56
